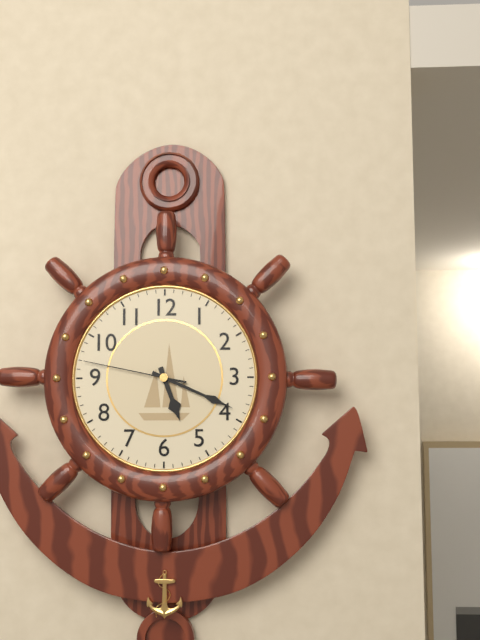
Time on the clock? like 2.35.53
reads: 5.19.47
